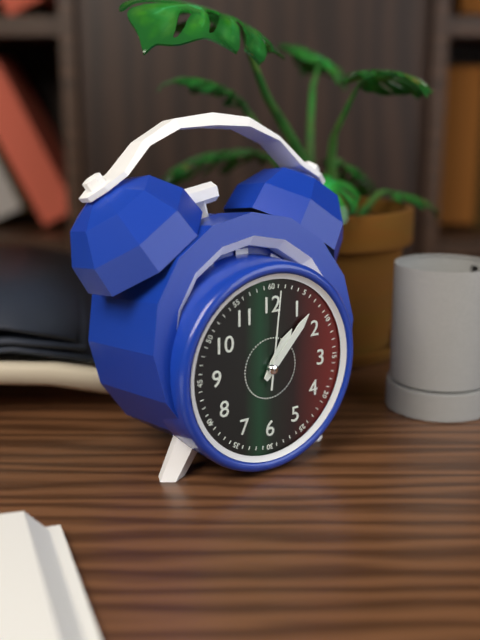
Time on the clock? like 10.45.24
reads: 1.07.01
